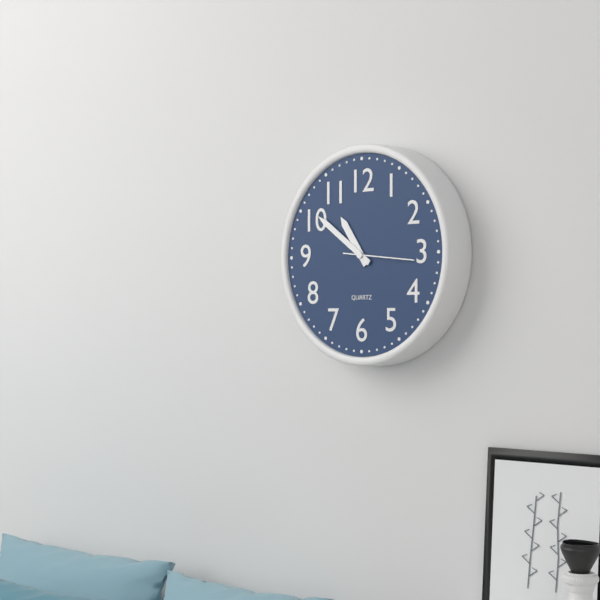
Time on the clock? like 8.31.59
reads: 10.51.16
